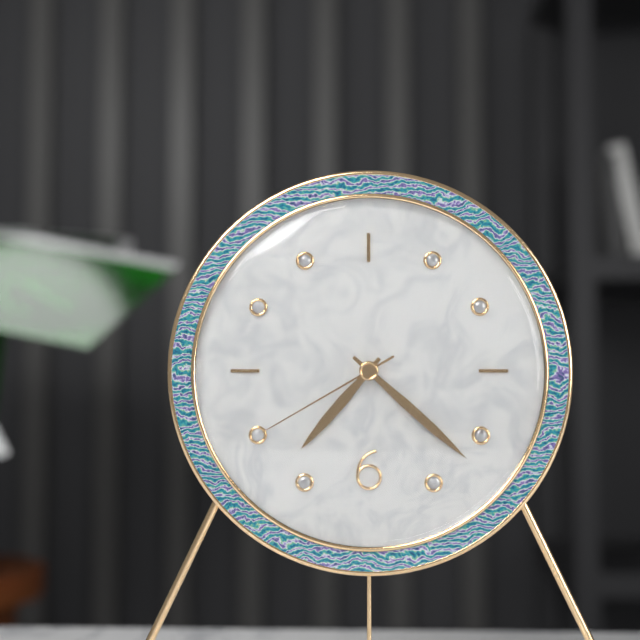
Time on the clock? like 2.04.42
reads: 7.22.40
